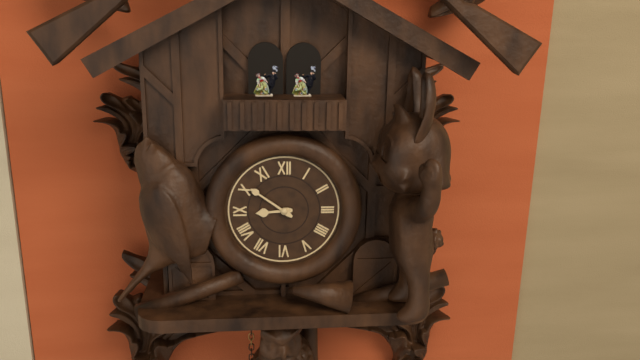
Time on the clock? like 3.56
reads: 8.51
